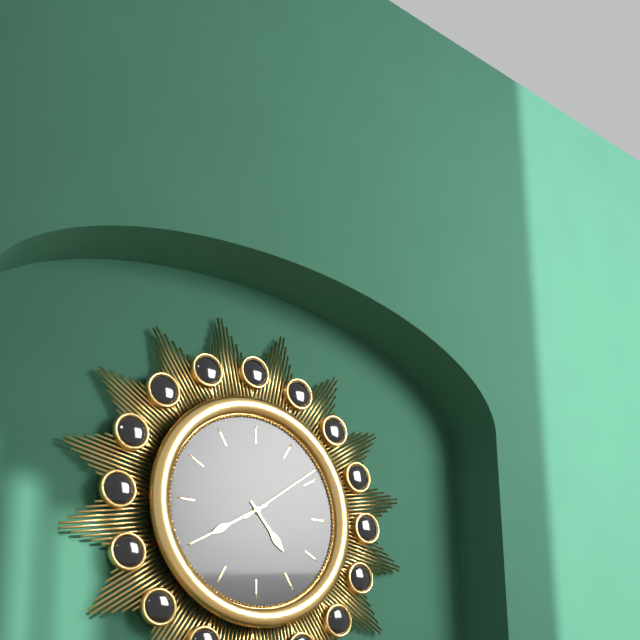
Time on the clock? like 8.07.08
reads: 4.40.09
